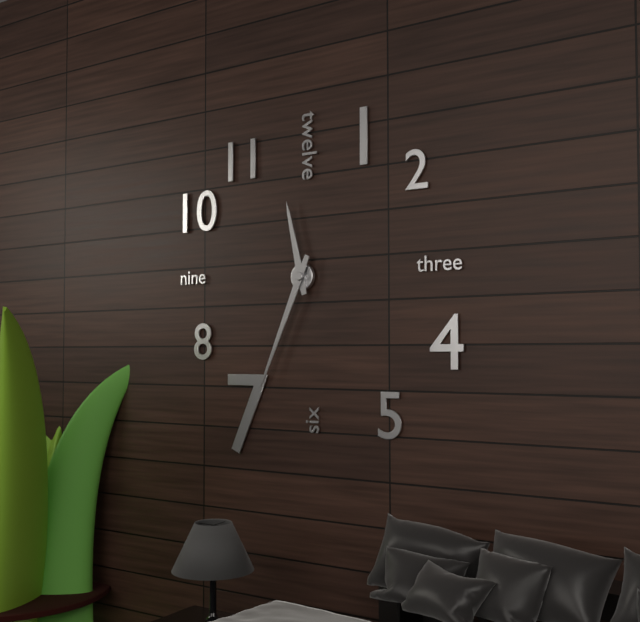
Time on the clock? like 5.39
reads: 11.34
